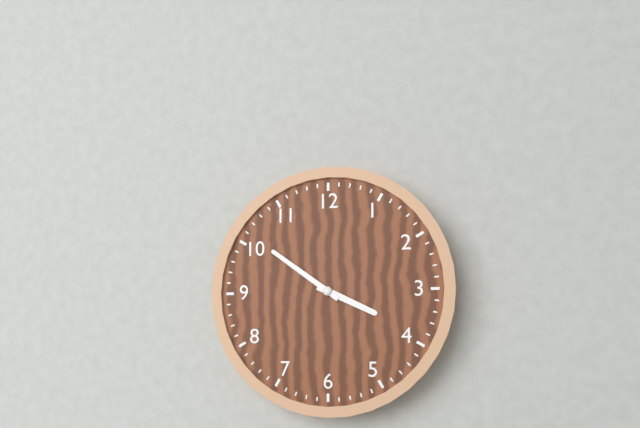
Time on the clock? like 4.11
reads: 3.51
